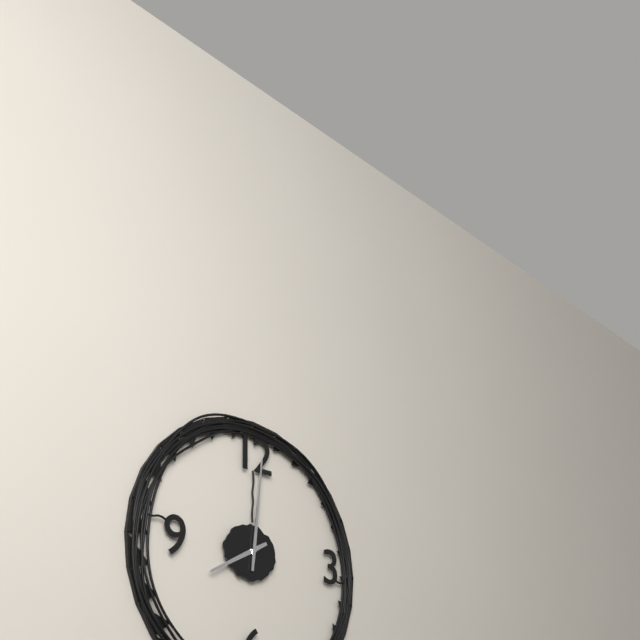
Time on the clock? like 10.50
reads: 8.01
